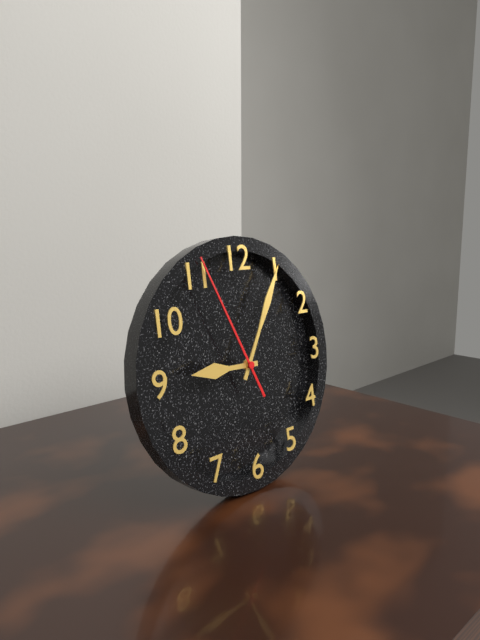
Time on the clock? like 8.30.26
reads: 9.05.56
